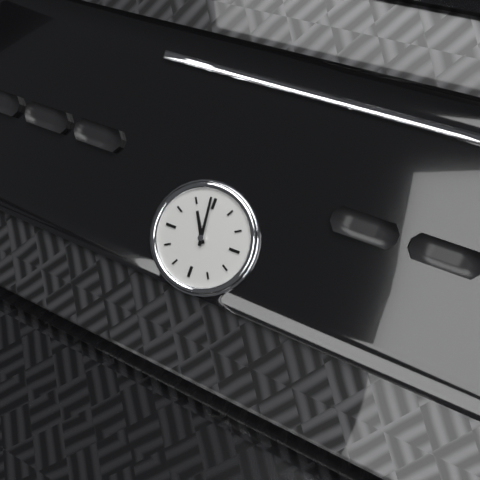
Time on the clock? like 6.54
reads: 10.59
